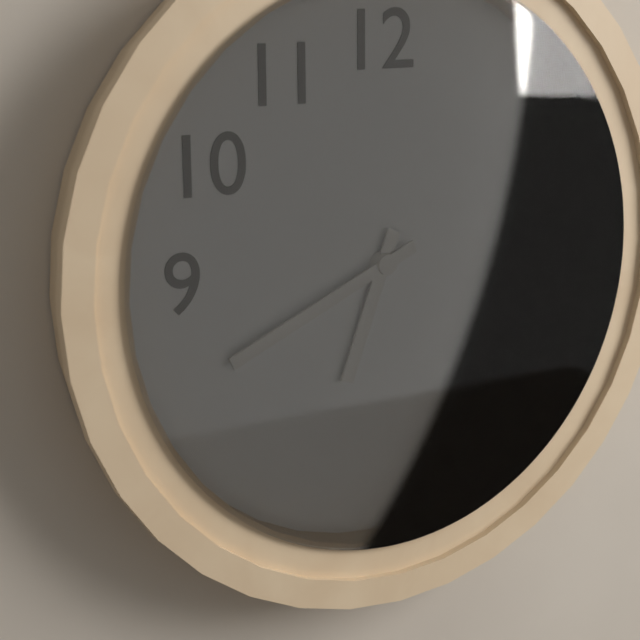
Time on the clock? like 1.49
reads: 6.41
